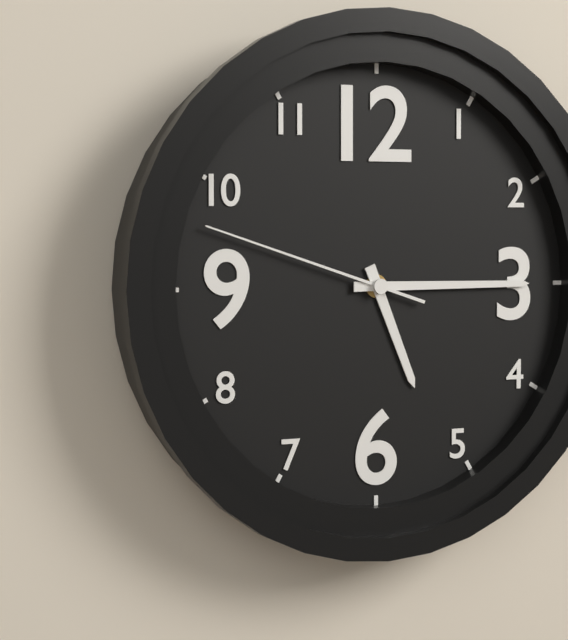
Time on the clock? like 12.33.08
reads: 5.15.48
